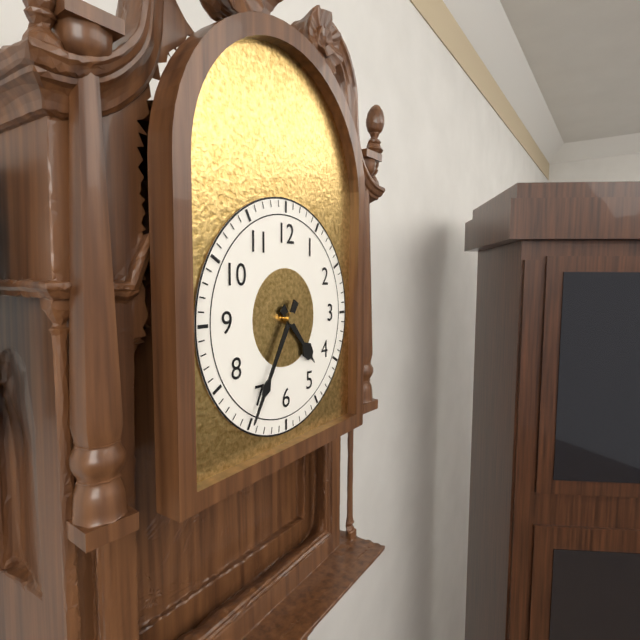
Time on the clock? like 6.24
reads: 4.35
